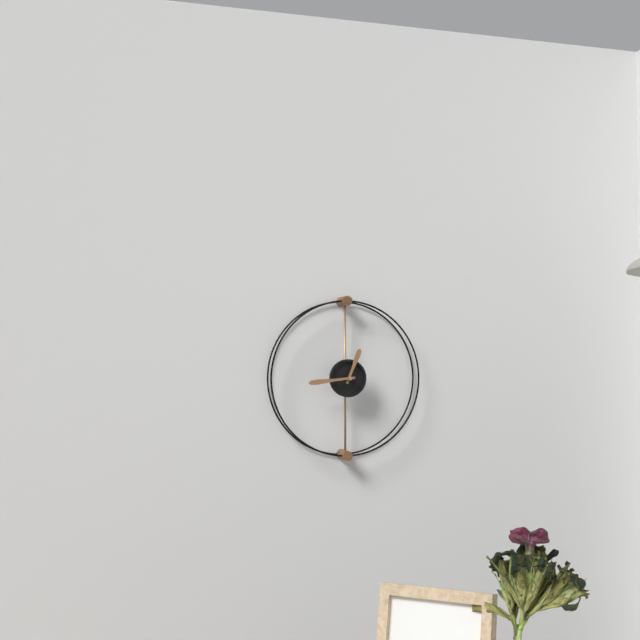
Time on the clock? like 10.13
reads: 12.44
